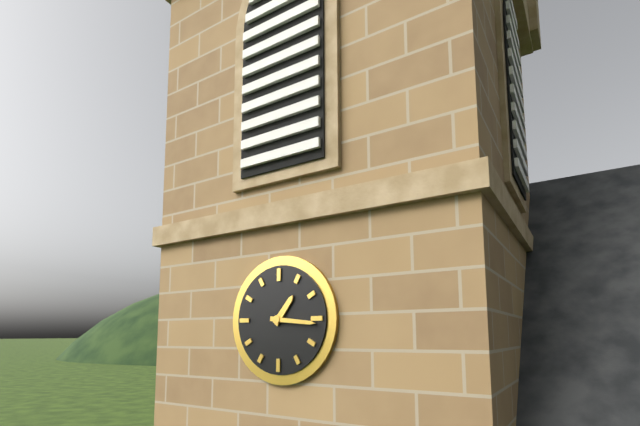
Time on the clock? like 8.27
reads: 1.16
